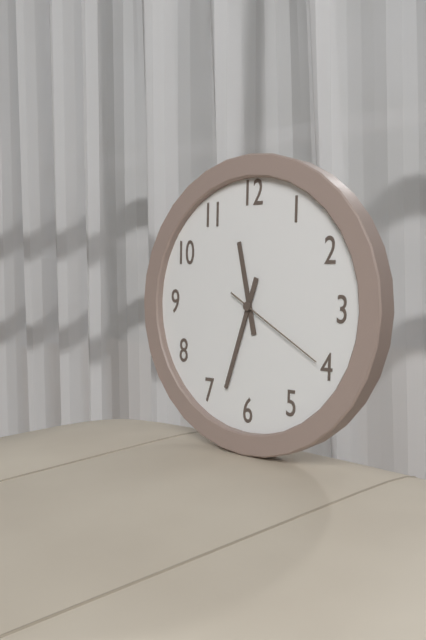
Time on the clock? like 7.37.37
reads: 11.33.20
